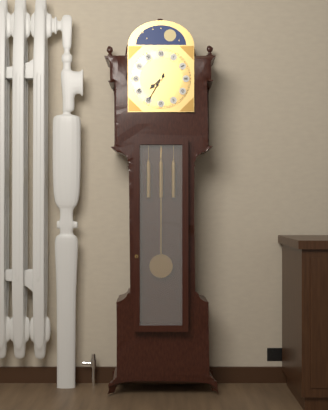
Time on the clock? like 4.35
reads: 7.35
